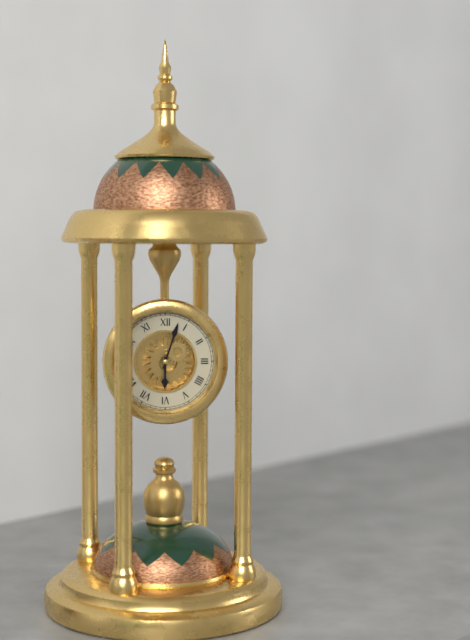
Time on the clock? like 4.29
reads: 6.03
